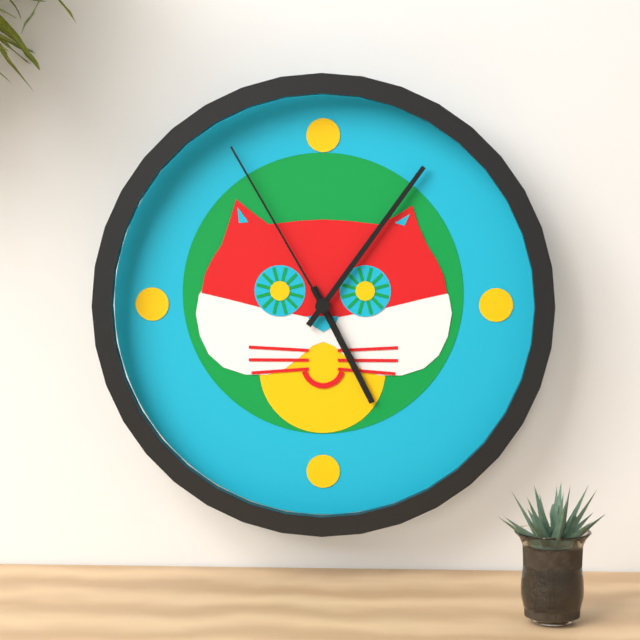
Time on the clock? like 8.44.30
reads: 5.06.55
